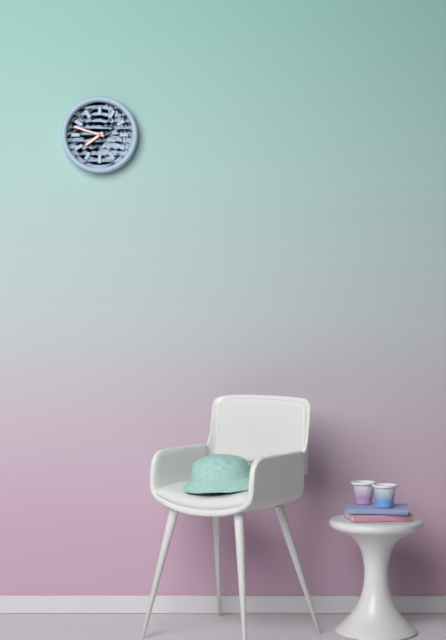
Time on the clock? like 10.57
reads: 7.48
